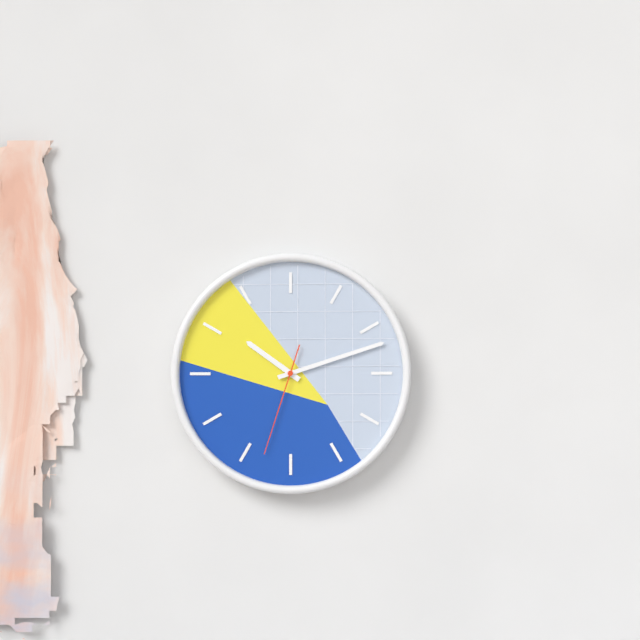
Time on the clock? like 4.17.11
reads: 10.12.33
